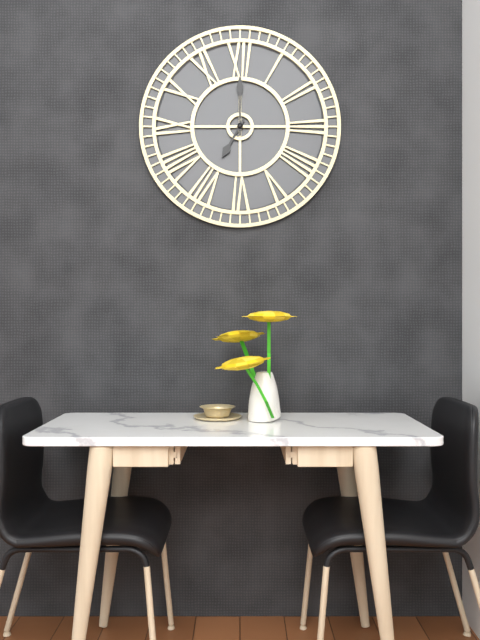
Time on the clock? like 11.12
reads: 7.00
